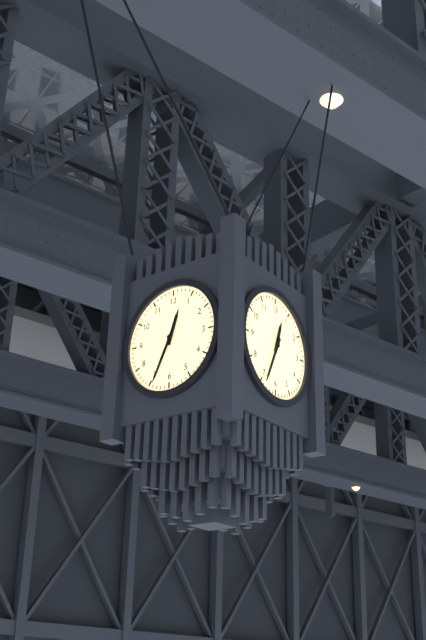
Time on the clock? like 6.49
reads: 12.34
